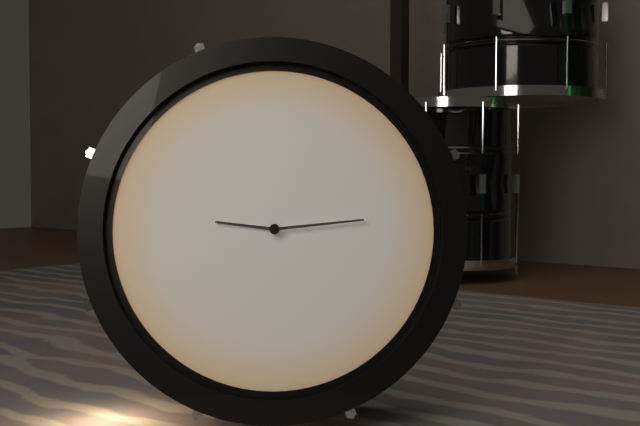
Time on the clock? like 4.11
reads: 9.14
